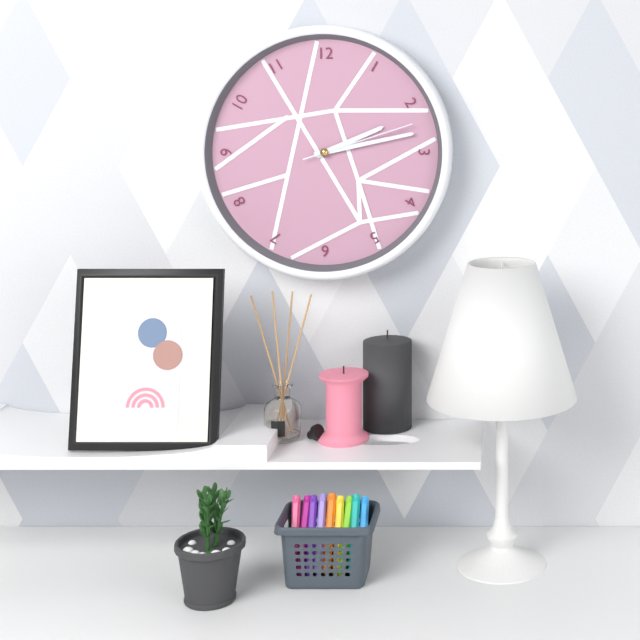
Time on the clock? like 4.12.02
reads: 2.13.12
